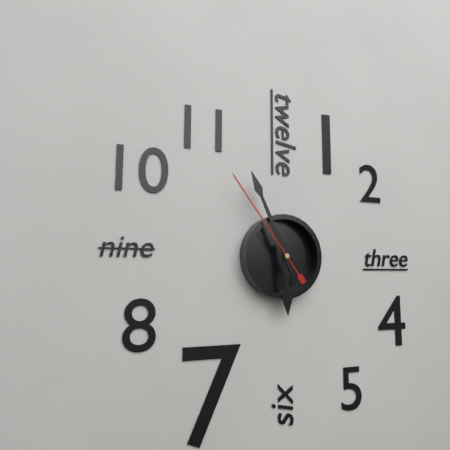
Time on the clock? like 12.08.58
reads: 5.56.54
